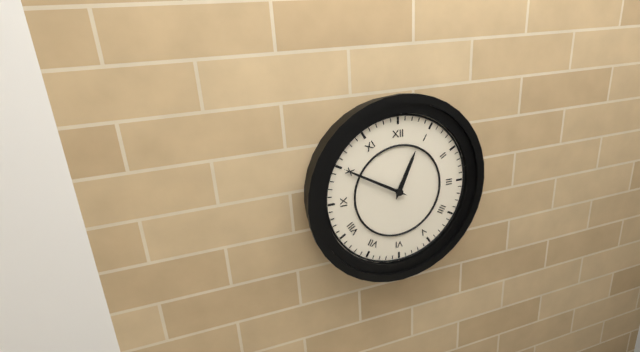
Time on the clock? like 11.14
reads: 12.50
